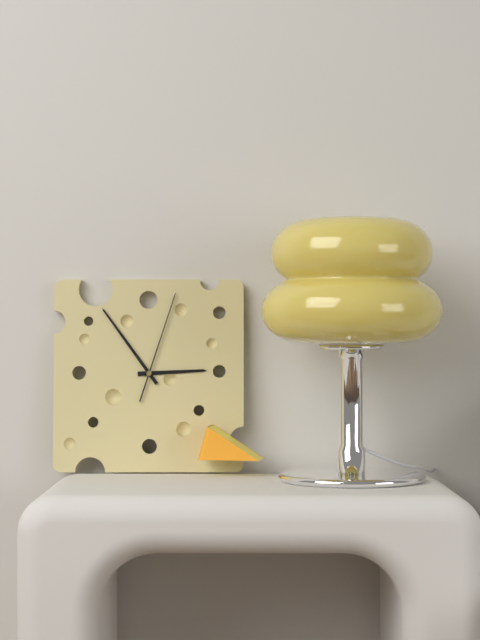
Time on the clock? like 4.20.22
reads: 2.54.03
